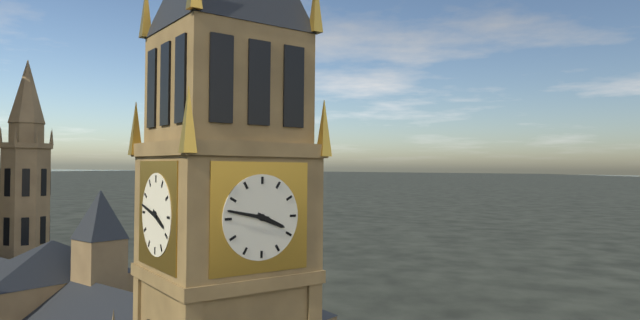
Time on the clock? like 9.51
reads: 3.47
